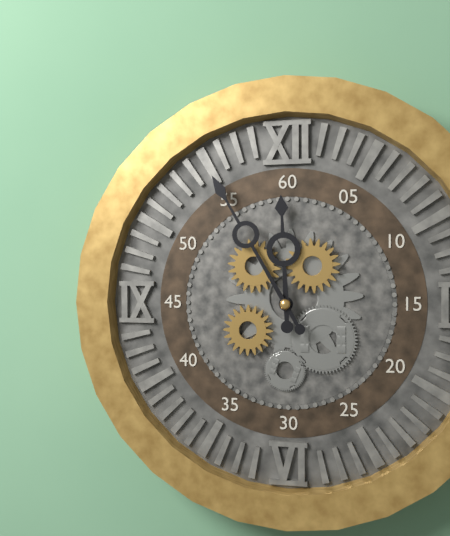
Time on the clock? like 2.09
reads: 11.55
